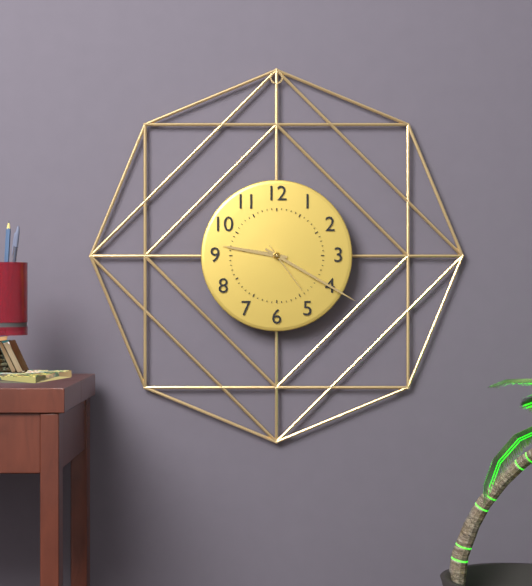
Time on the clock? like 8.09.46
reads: 9.20.24
